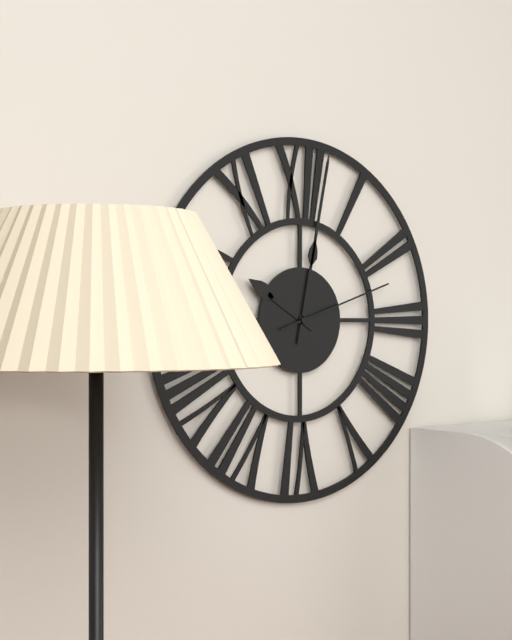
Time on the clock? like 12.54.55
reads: 10.02.12
